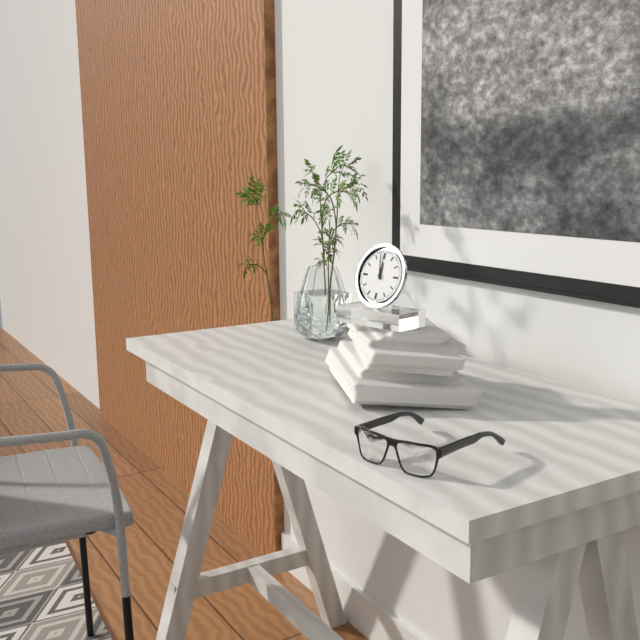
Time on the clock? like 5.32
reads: 11.58
